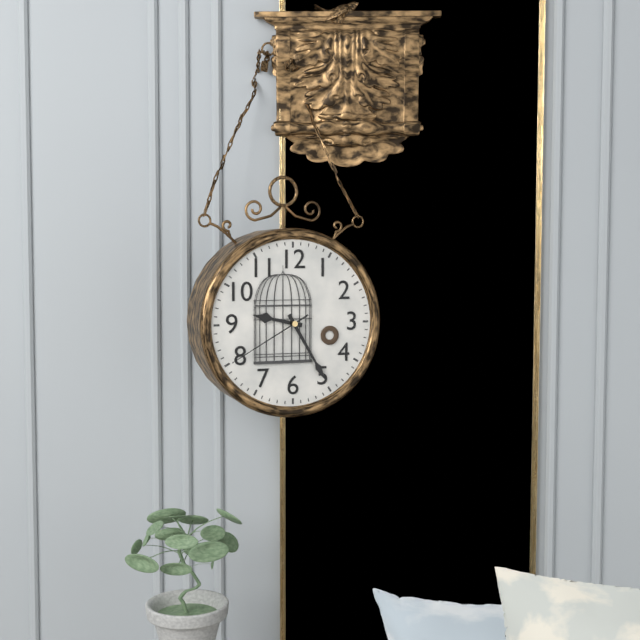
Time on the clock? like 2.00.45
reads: 9.25.40
